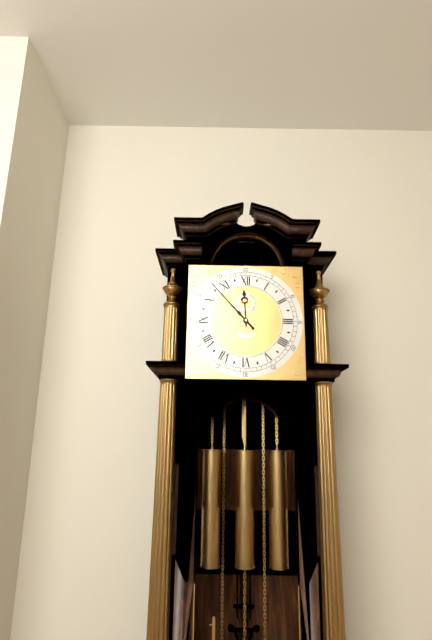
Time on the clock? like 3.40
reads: 11.53
